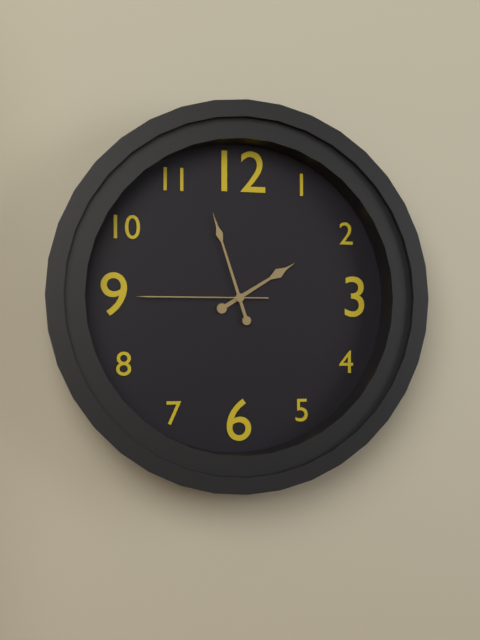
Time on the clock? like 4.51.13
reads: 1.57.45
